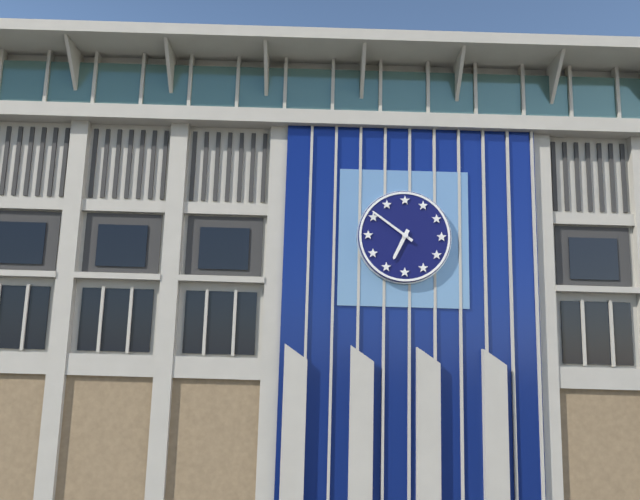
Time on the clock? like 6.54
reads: 6.51
